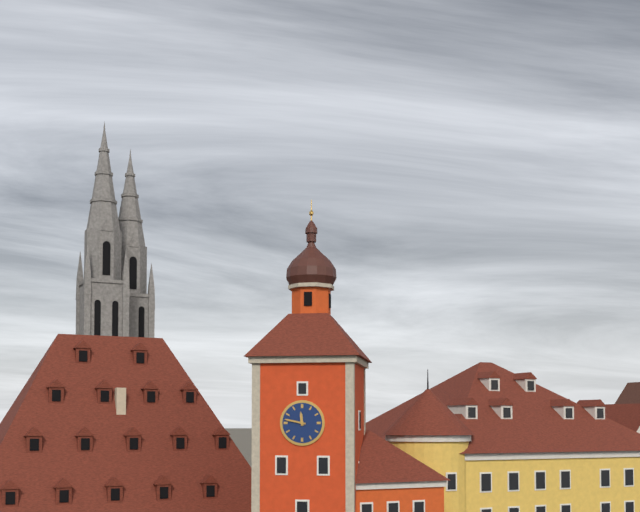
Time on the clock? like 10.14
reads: 11.47
